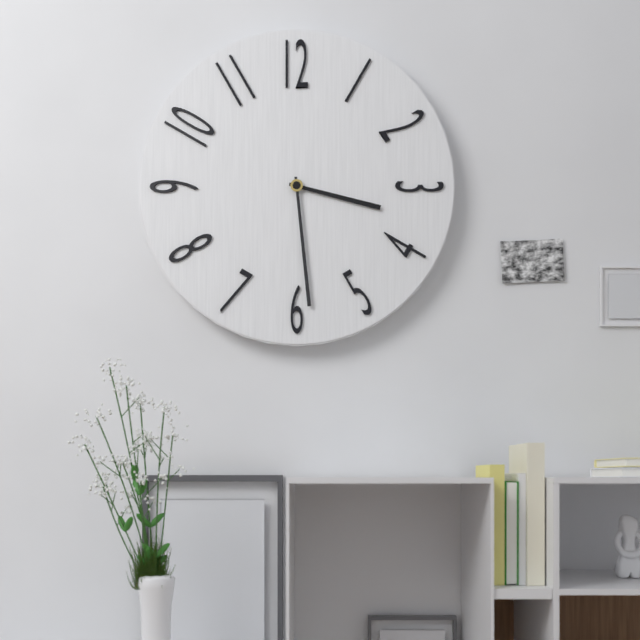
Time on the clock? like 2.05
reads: 3.29
